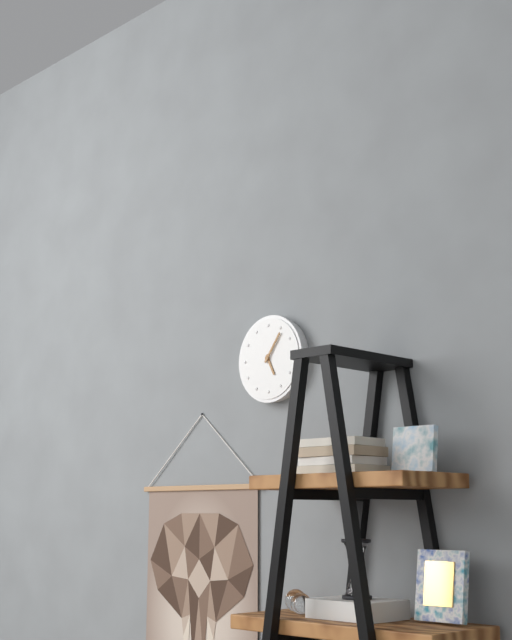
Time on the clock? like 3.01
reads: 5.06
